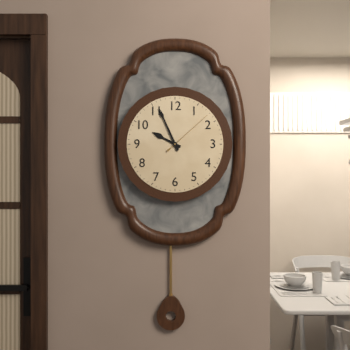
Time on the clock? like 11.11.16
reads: 9.56.08
